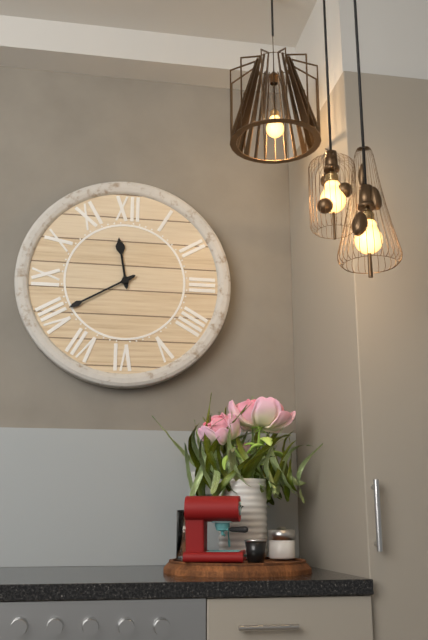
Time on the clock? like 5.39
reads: 11.40
